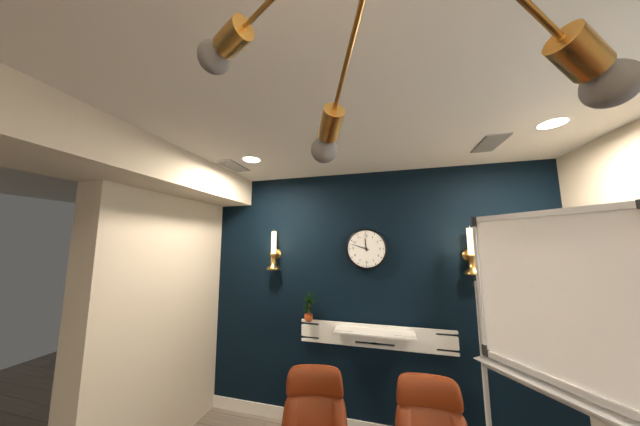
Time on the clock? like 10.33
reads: 11.48
